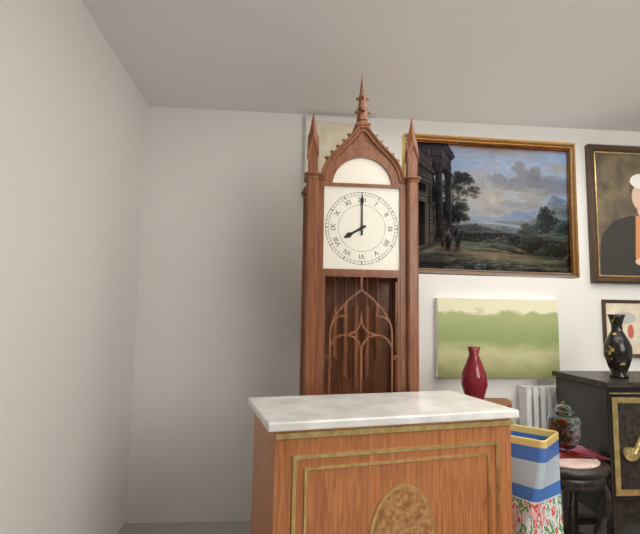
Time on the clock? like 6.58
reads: 8.00
